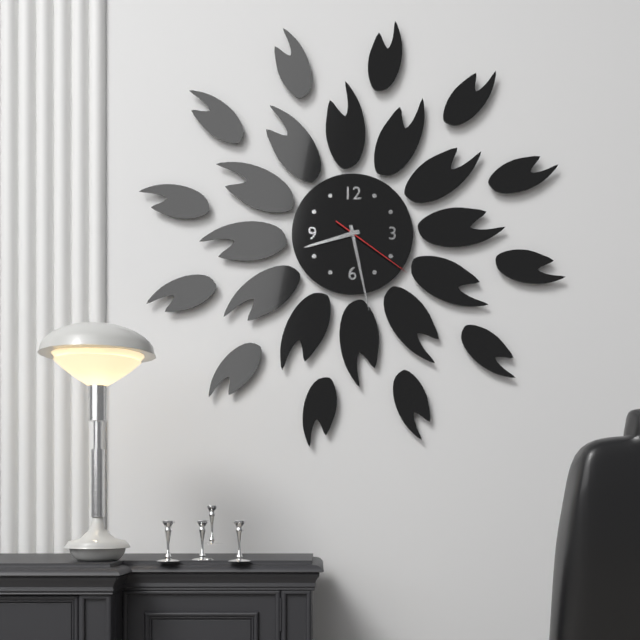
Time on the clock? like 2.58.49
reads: 8.28.21
